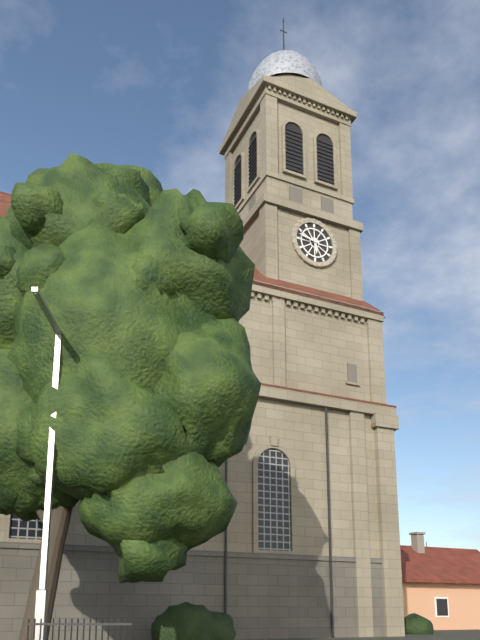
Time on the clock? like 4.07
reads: 5.47
